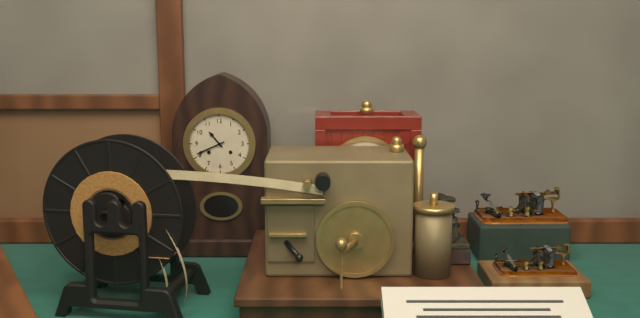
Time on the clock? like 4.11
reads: 10.41
